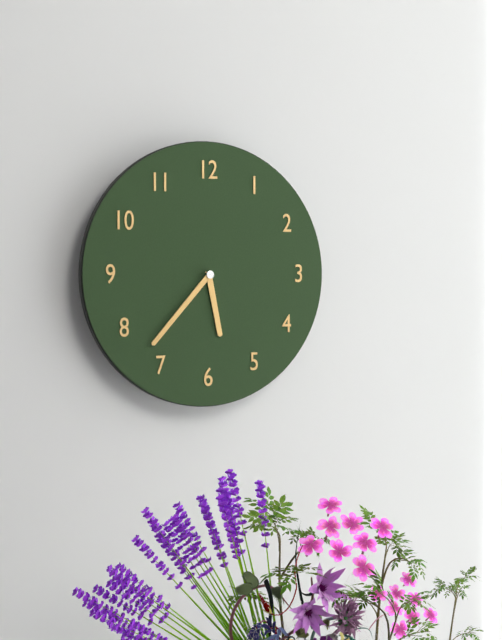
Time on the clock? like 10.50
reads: 5.37
